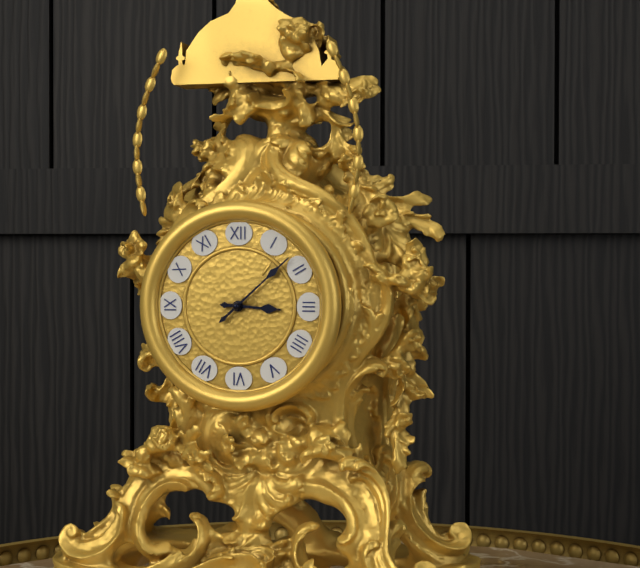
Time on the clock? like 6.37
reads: 3.08
